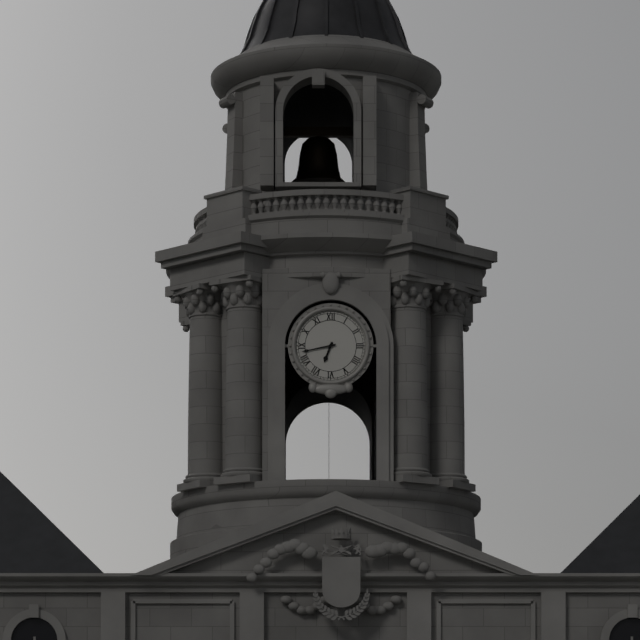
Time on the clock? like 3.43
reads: 6.43
